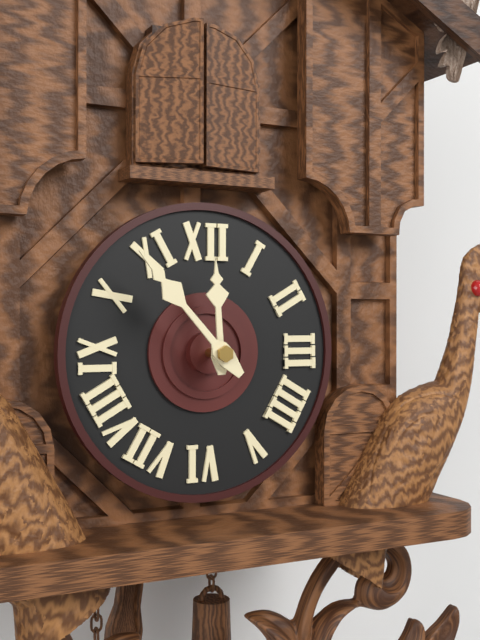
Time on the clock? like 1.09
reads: 11.53
